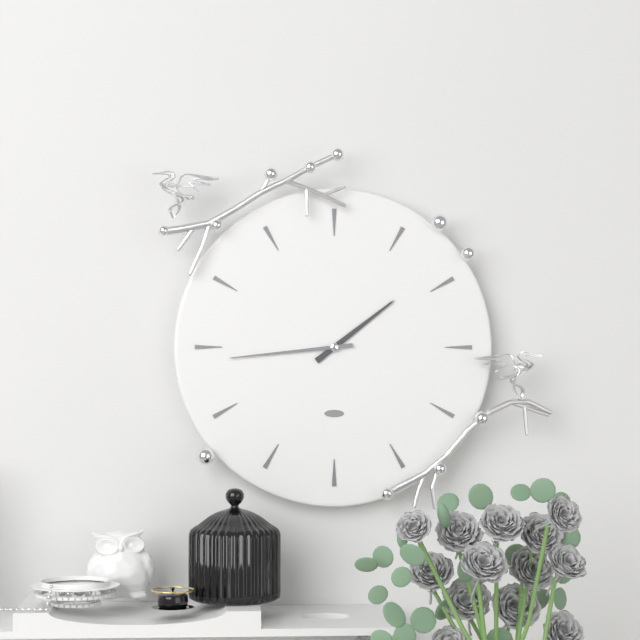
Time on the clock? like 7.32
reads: 1.44
